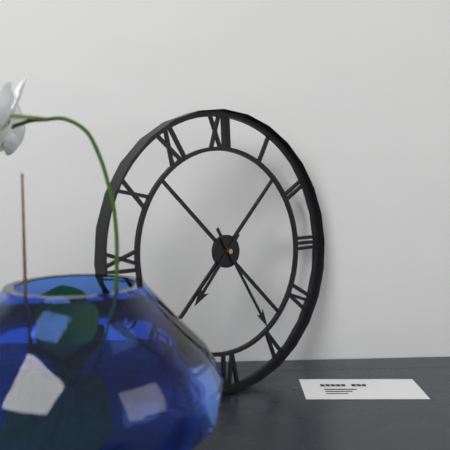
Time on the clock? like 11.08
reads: 7.25
